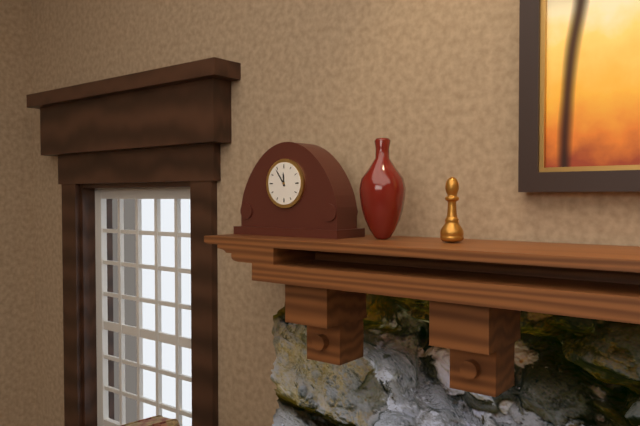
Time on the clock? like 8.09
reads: 11.54
